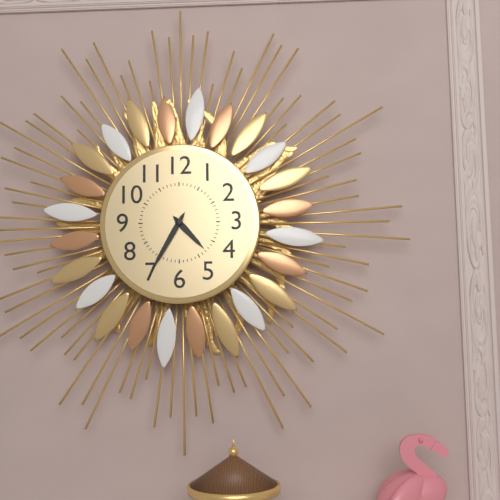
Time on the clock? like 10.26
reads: 4.35
